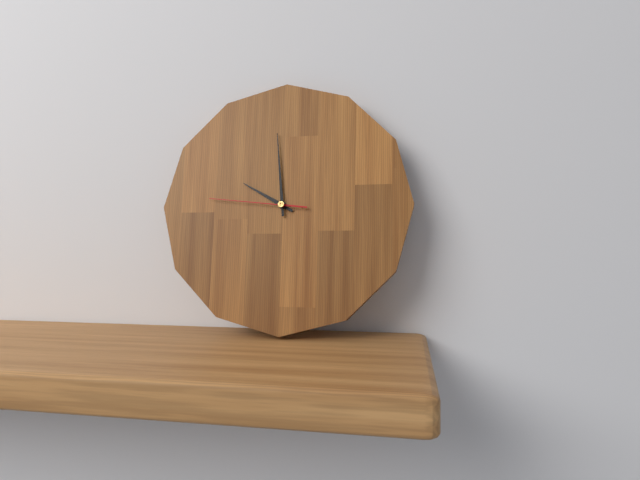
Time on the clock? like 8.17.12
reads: 9.59.46
